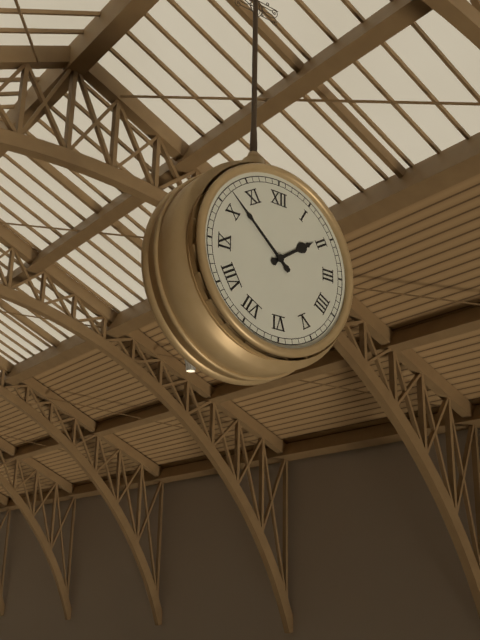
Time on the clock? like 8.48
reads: 1.52
